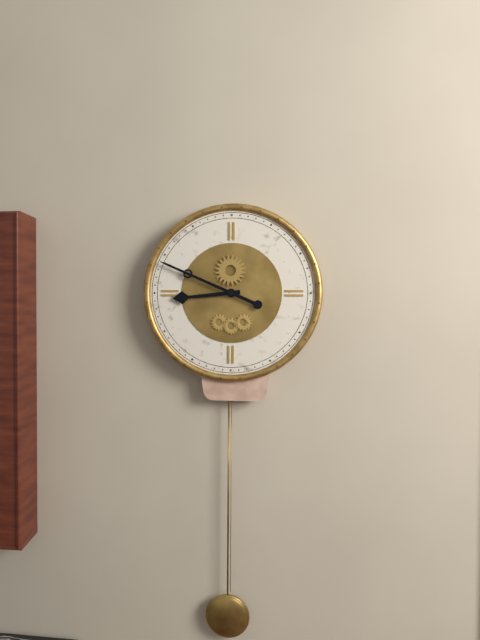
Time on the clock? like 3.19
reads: 8.49
